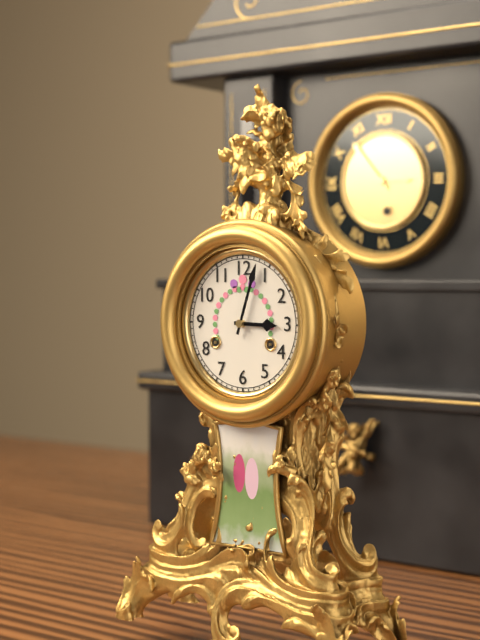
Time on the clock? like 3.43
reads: 3.03
